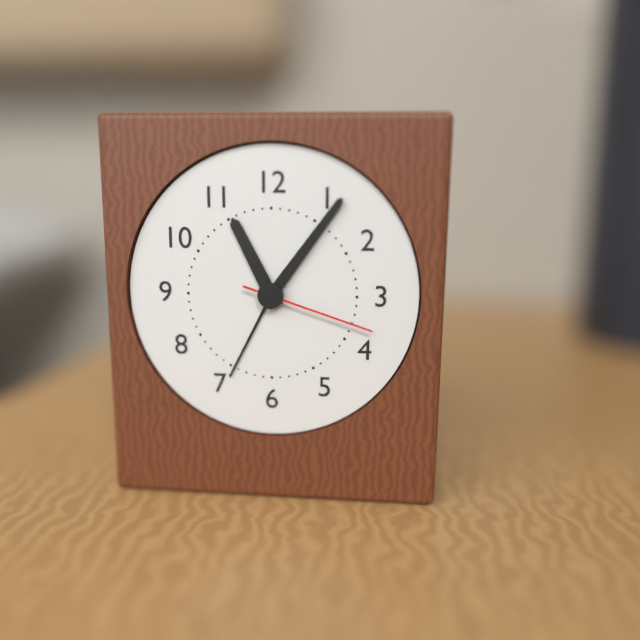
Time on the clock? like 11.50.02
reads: 11.06.18
